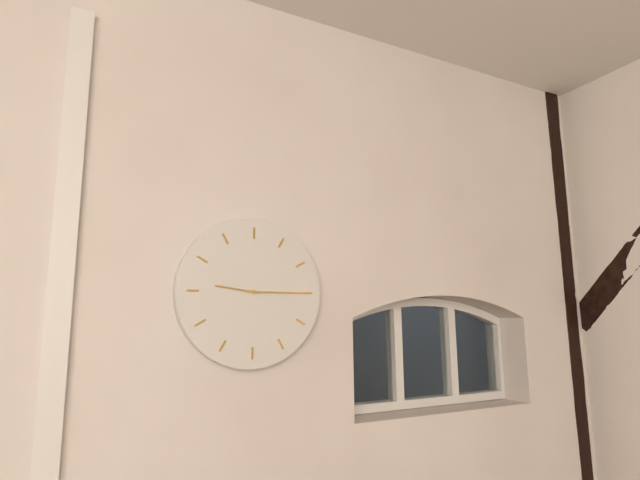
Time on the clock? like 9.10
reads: 9.15
